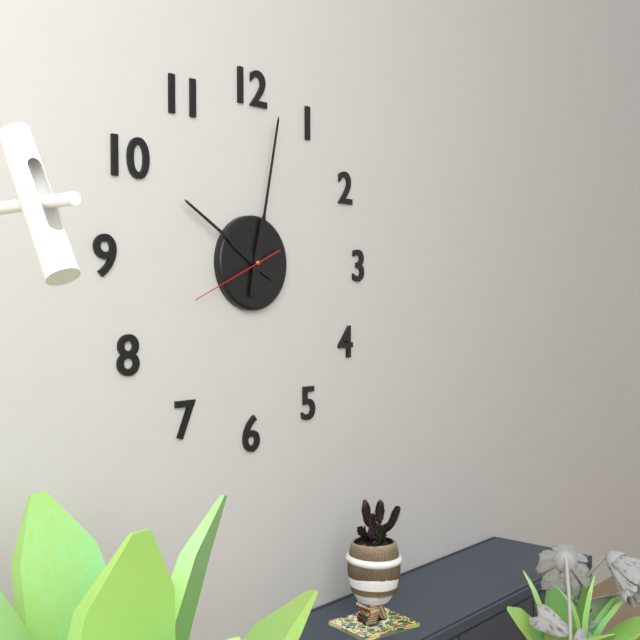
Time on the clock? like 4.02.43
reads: 10.02.41
